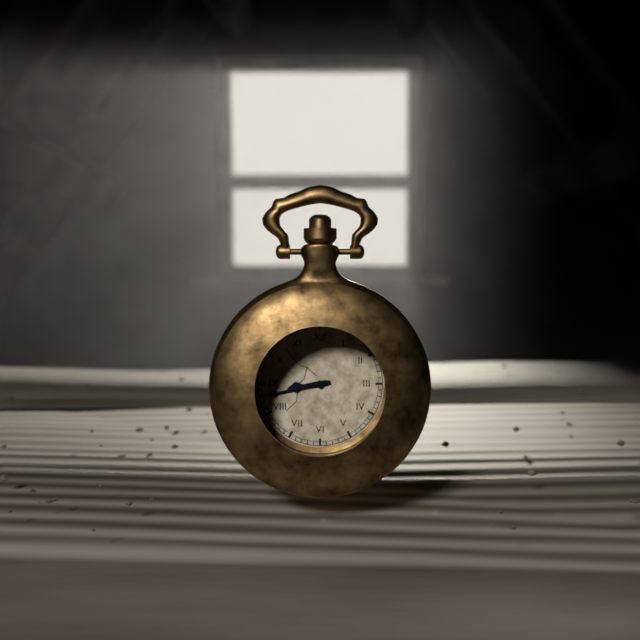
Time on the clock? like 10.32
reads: 8.43
